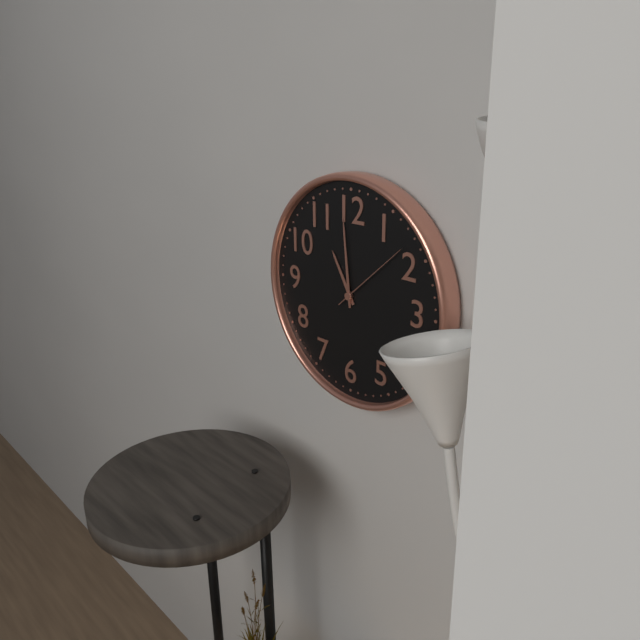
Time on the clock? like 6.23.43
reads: 10.59.08
